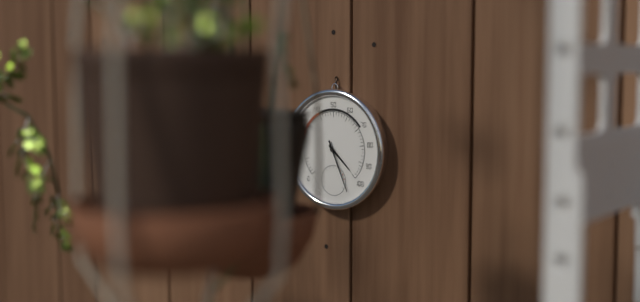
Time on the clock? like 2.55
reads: 4.26
